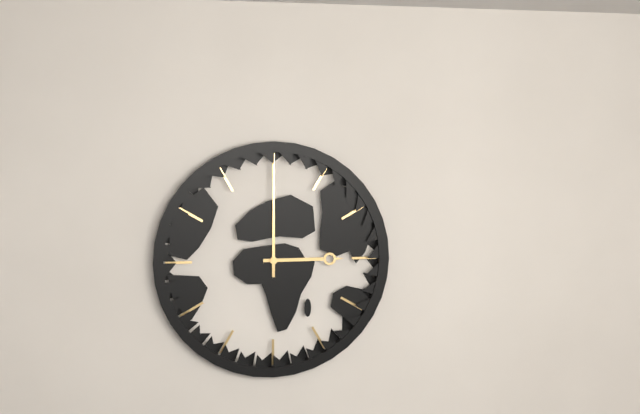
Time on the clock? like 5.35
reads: 3.00
